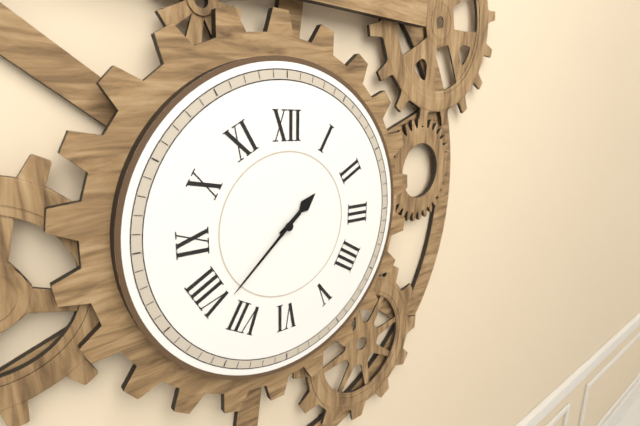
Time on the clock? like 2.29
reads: 1.38
